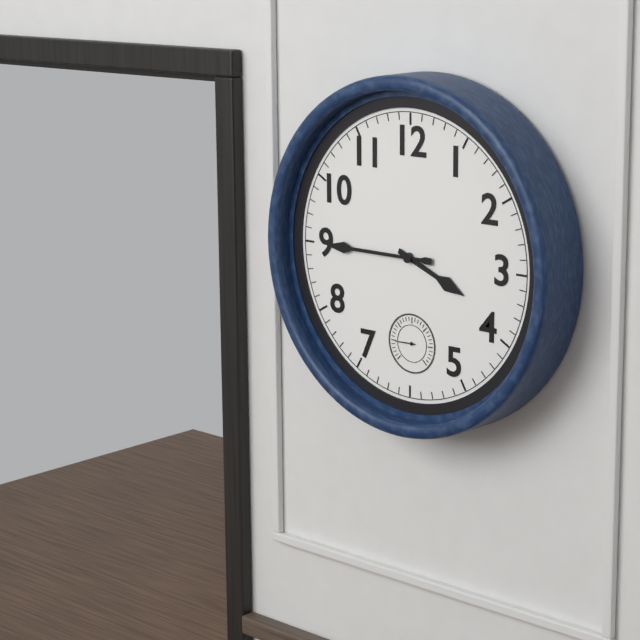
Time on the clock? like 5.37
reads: 3.45
